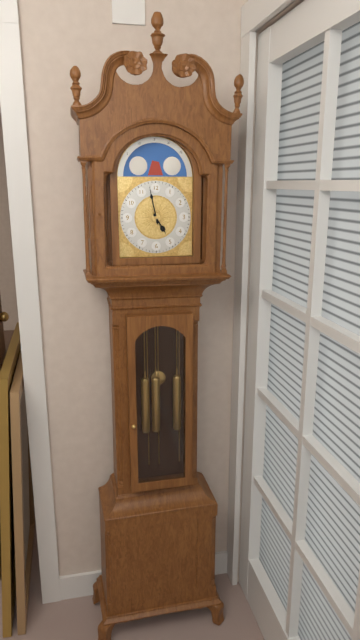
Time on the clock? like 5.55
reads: 4.58
